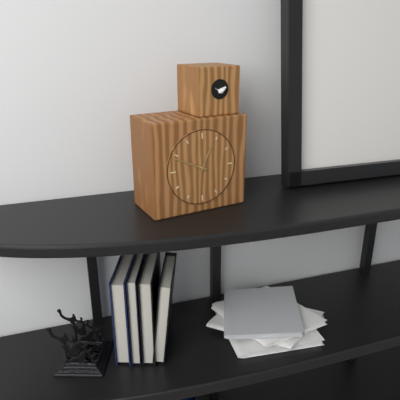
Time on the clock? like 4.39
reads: 12.49
